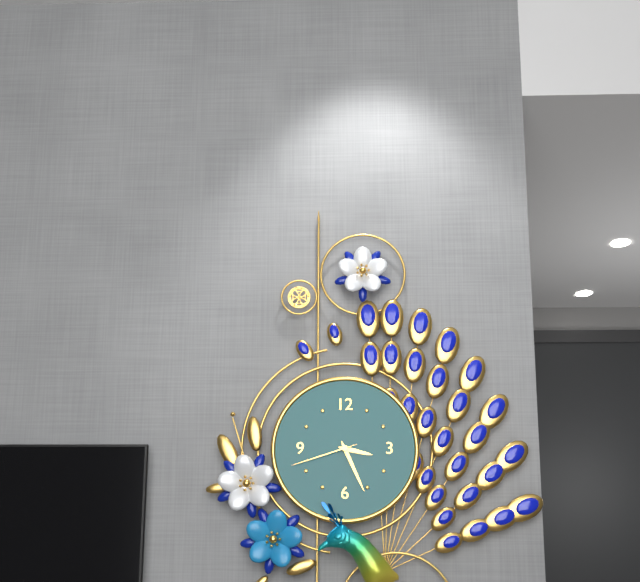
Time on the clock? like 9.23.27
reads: 3.26.42
